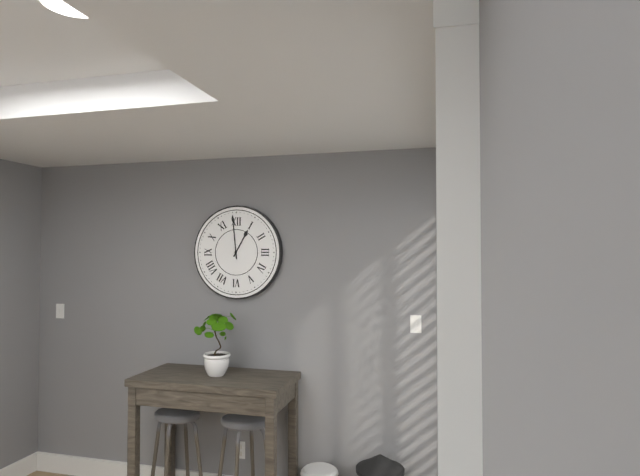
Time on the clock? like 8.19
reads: 12.59
